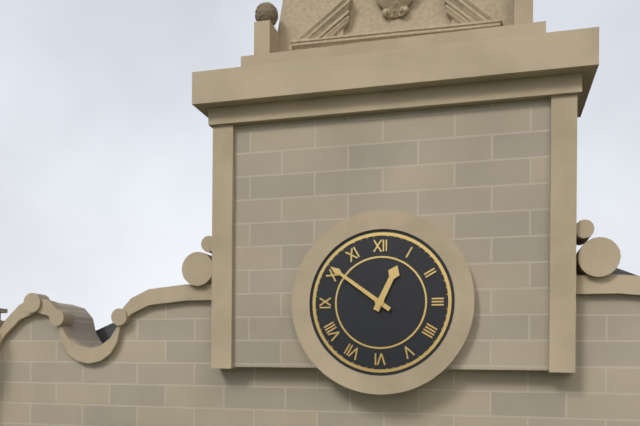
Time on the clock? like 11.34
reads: 12.51
